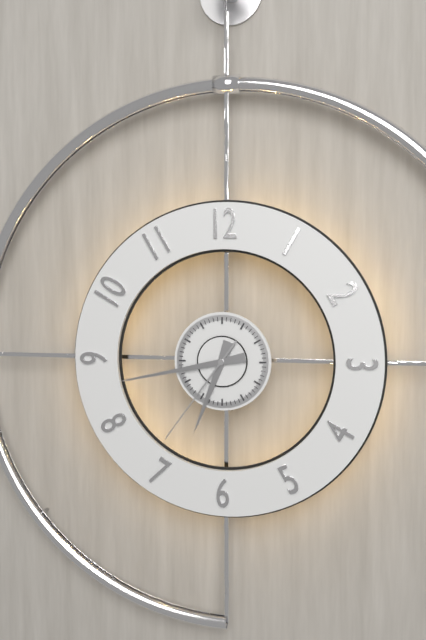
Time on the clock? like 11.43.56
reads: 6.43.36
